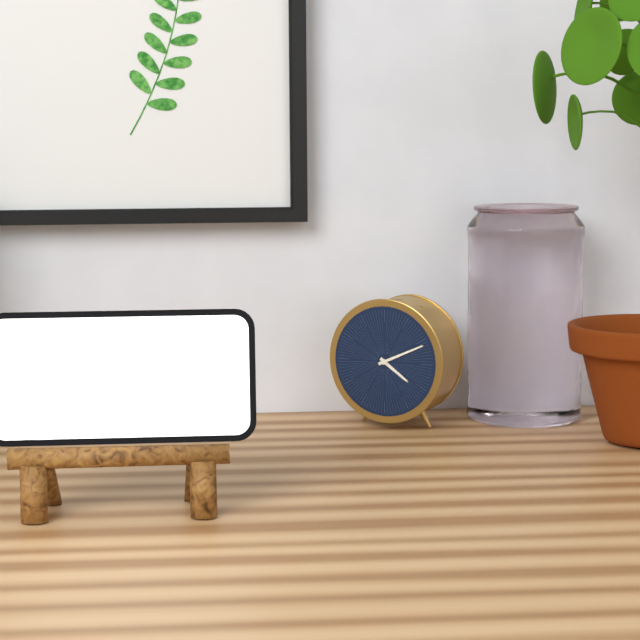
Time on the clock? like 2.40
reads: 4.11
